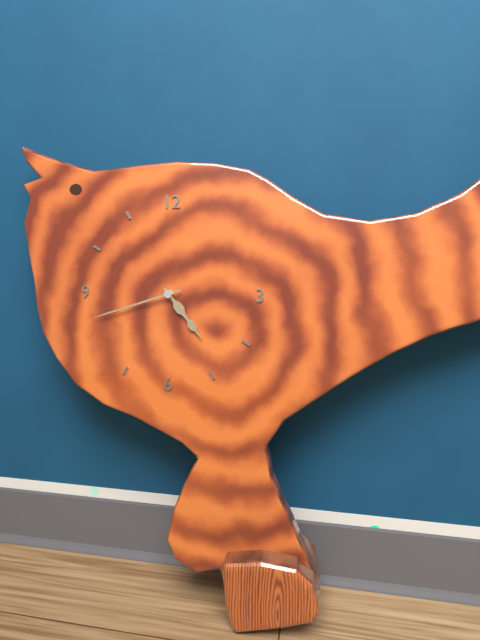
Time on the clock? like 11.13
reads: 4.42
